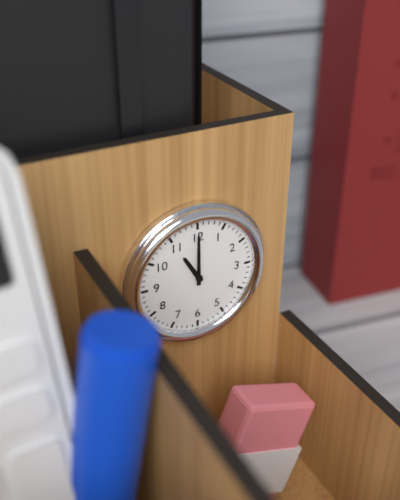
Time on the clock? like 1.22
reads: 11.00
